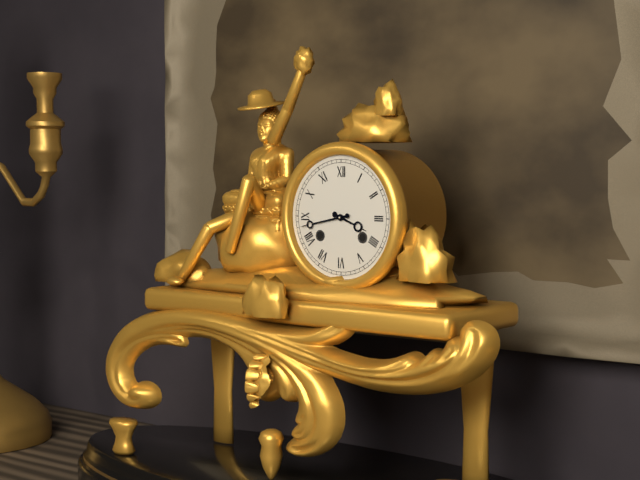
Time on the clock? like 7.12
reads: 3.43
